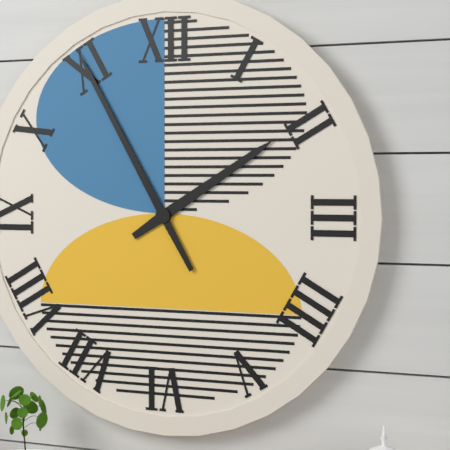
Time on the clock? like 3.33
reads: 1.55
